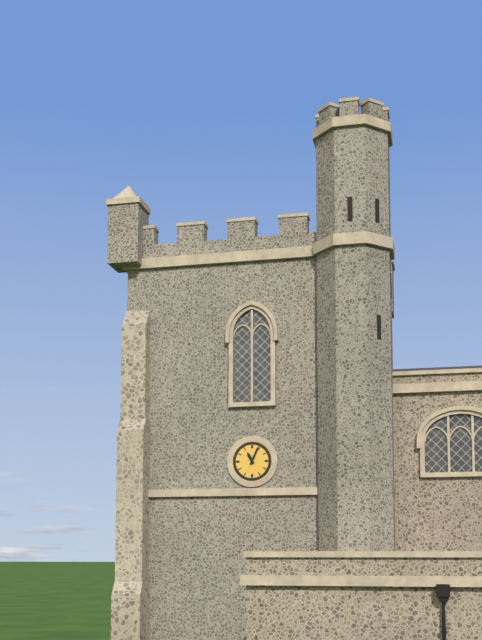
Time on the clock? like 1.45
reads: 11.04
